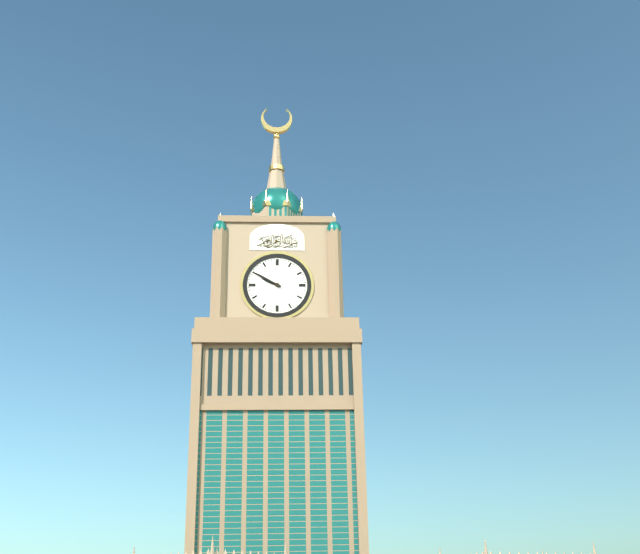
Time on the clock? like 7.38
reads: 9.50
